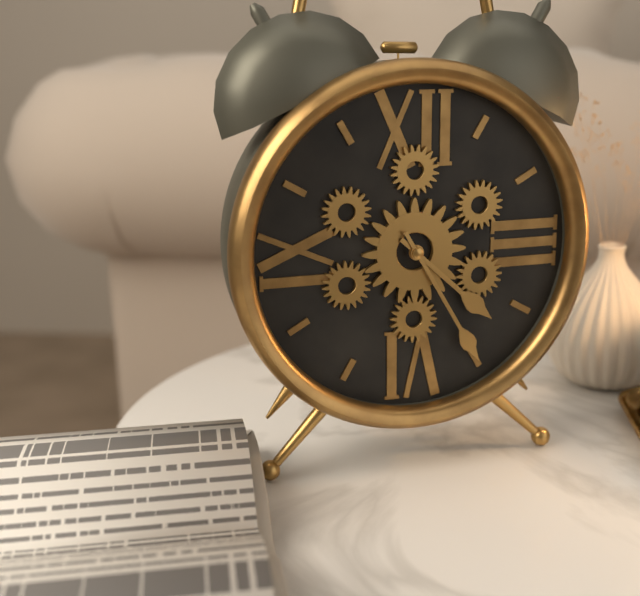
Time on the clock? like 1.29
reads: 4.25
